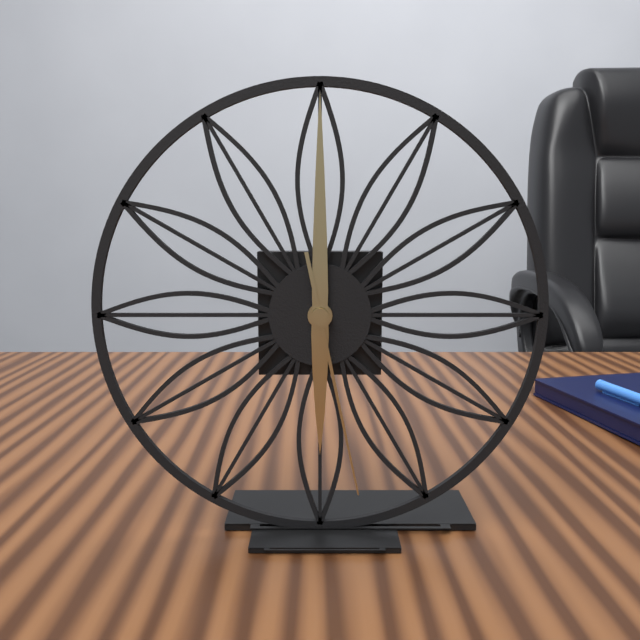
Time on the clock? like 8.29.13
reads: 6.00.28
